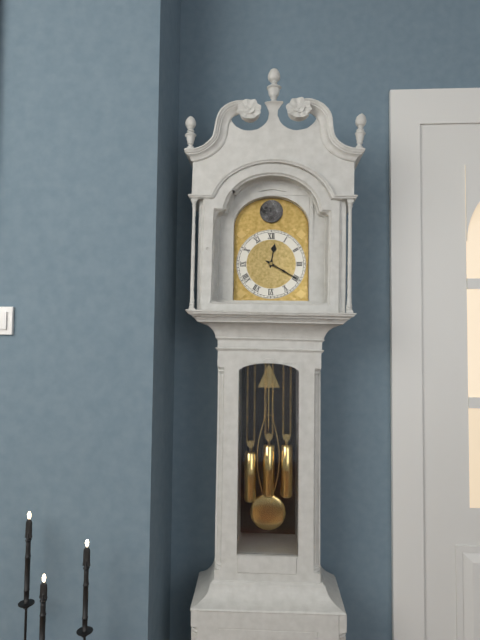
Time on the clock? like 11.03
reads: 12.20
